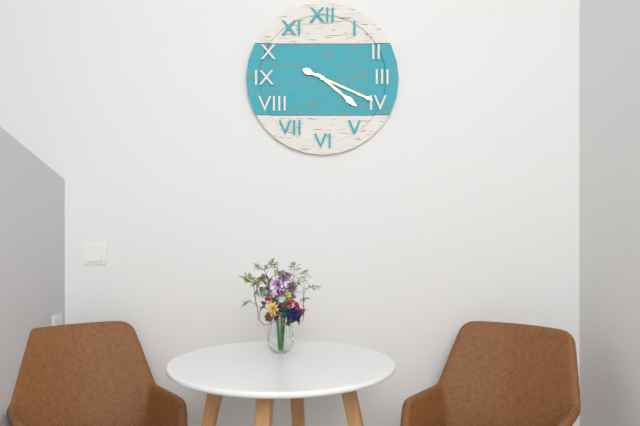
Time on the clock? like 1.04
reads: 4.19
